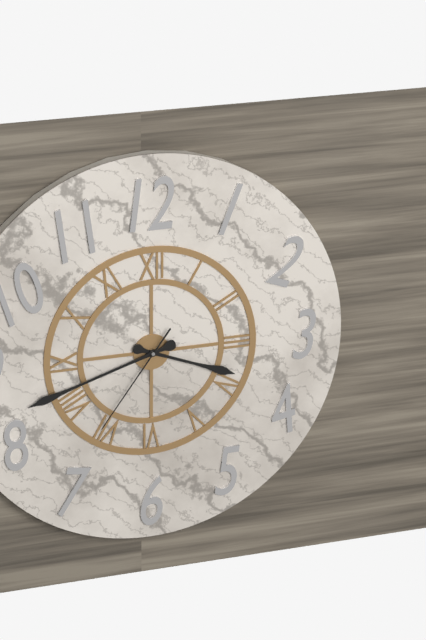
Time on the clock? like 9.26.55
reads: 3.42.36
